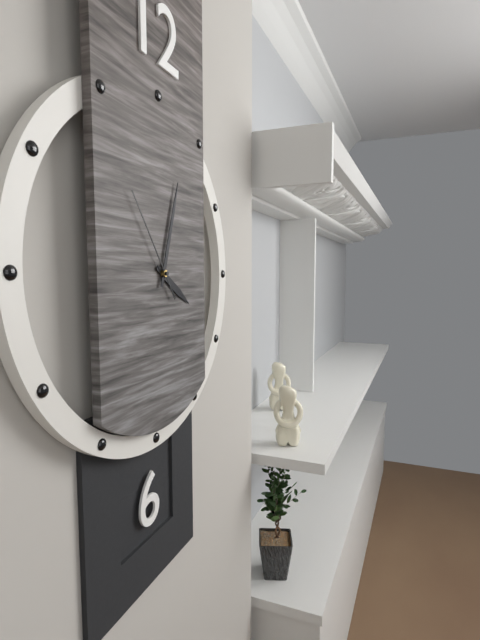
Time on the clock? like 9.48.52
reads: 4.03.54
